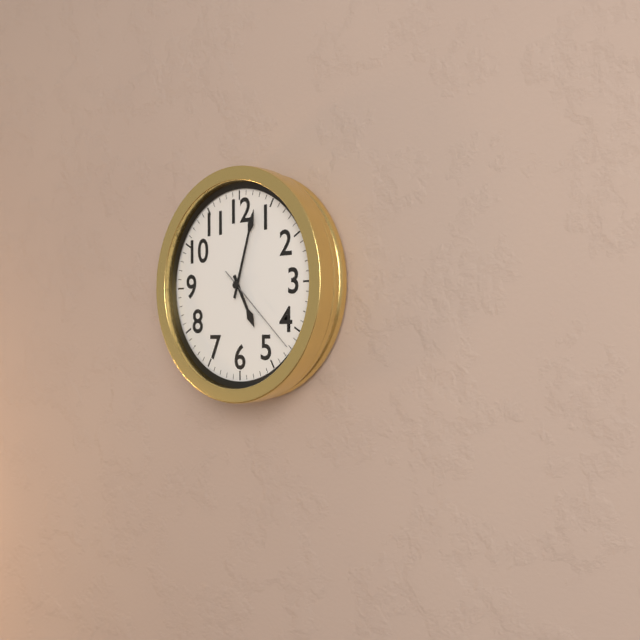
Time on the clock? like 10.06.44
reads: 5.03.22
